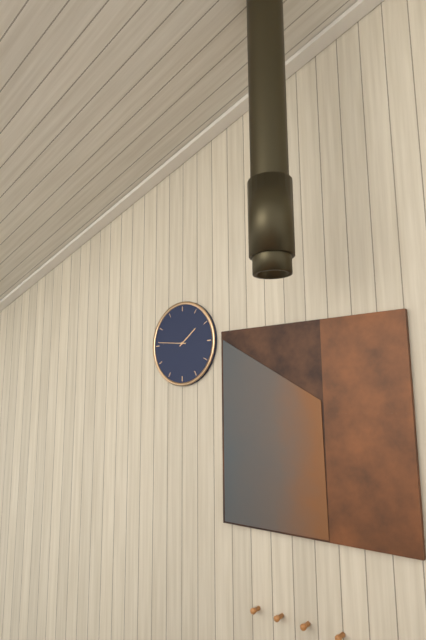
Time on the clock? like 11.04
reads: 1.46
